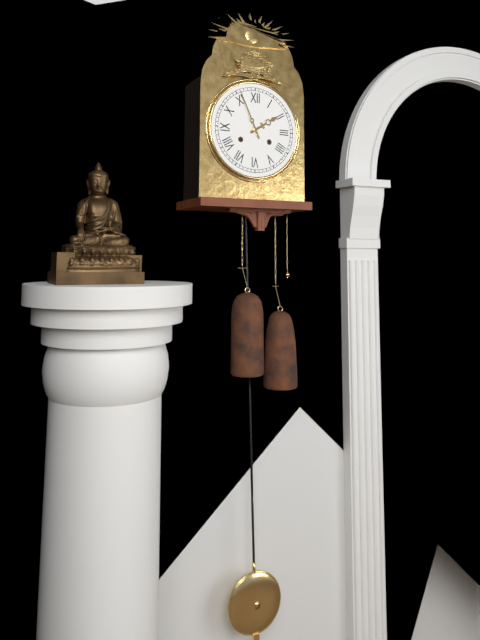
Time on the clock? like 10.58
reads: 1.56
